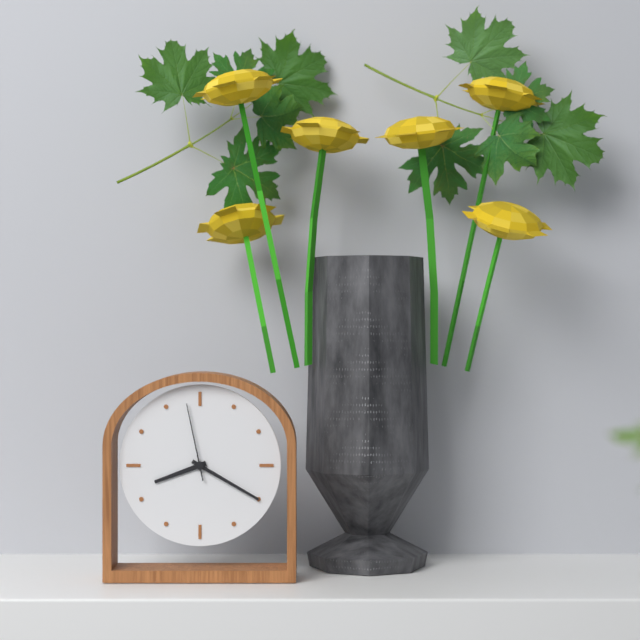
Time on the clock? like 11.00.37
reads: 8.20.58
